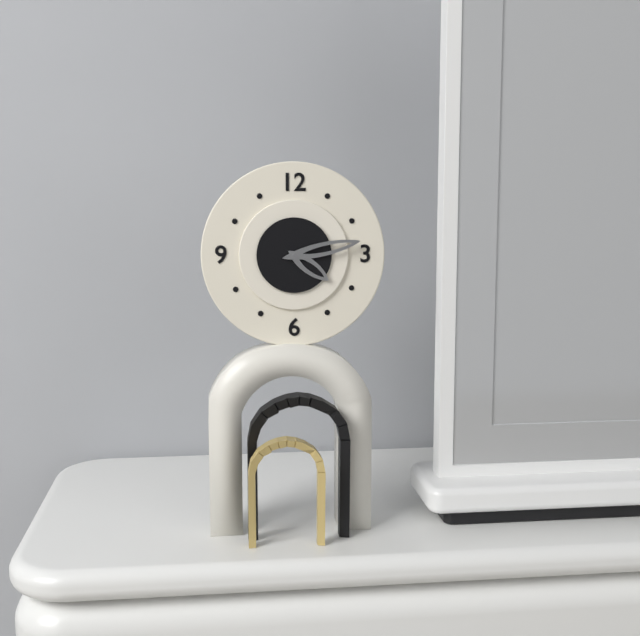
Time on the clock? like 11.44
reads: 4.13
